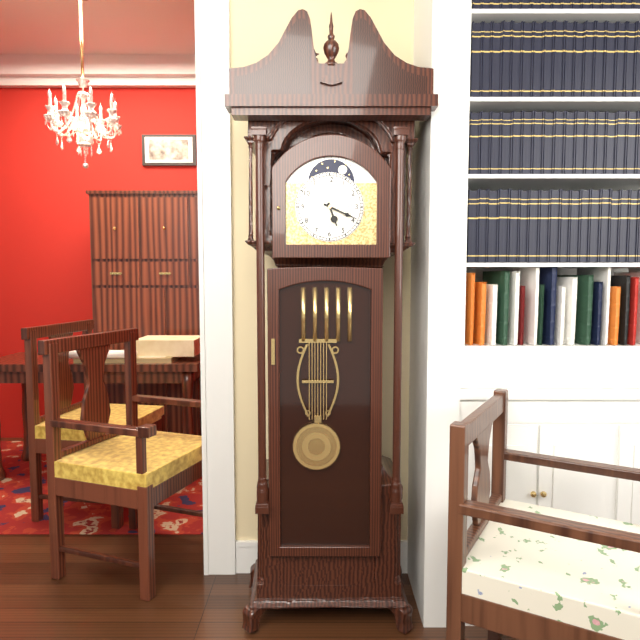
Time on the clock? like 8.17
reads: 5.19
